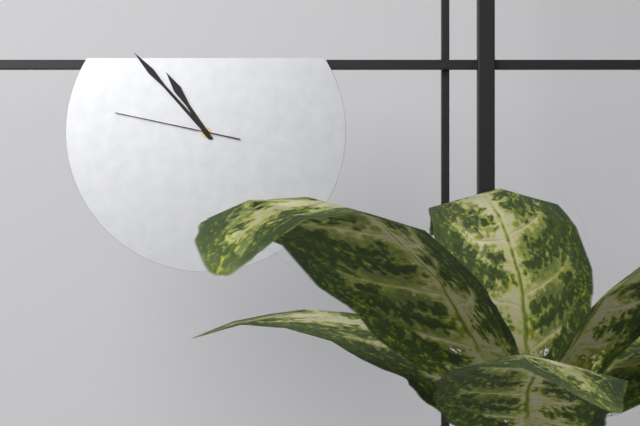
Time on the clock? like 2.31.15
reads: 10.53.47
